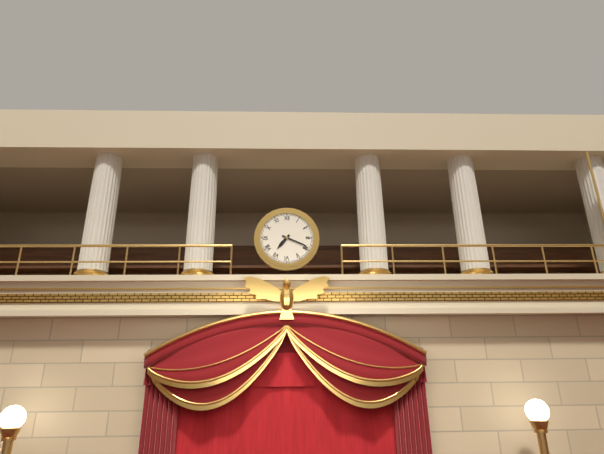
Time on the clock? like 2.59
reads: 7.19
